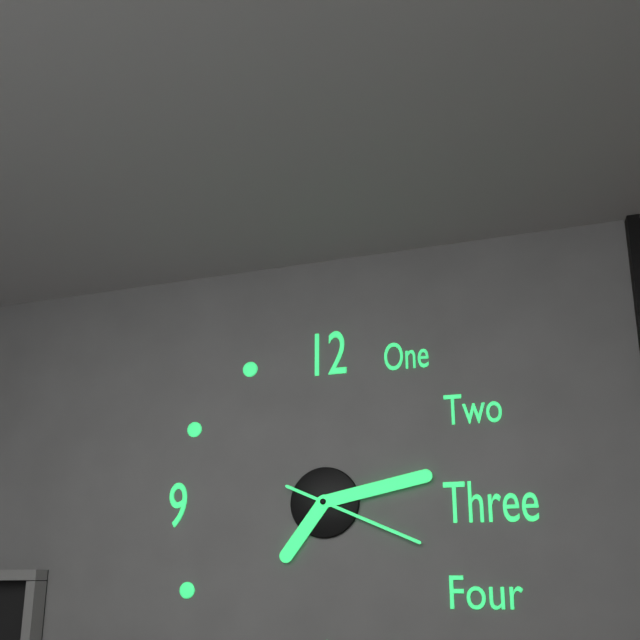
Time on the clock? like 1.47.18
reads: 7.13.19
